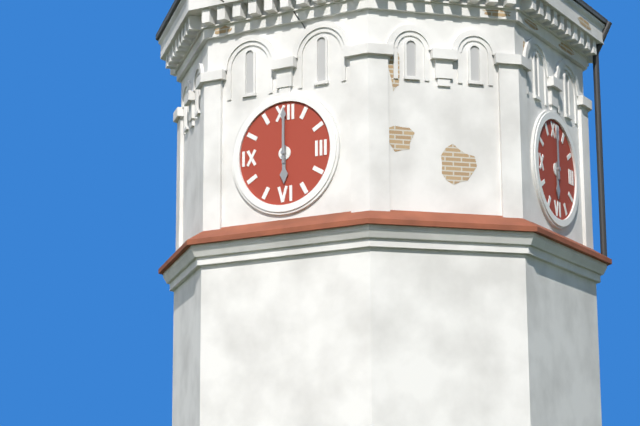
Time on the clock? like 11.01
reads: 6.00
